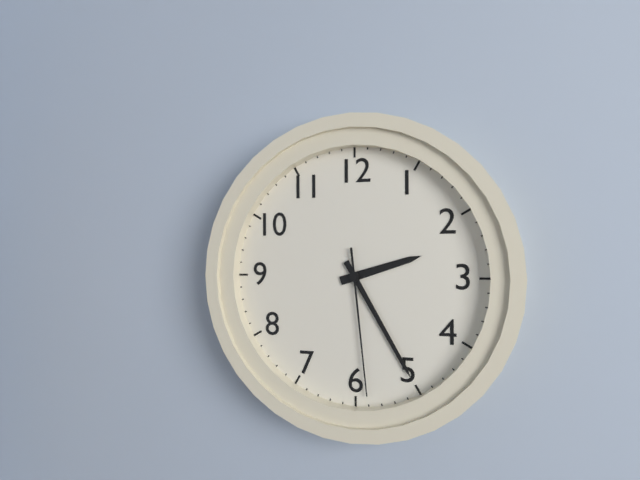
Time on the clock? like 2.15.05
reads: 2.25.29
